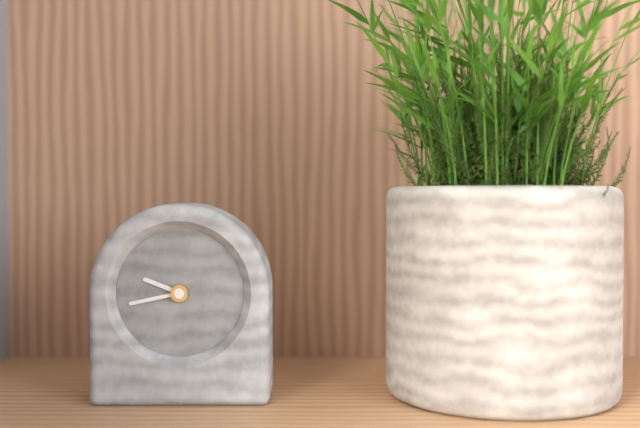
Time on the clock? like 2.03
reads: 9.43
